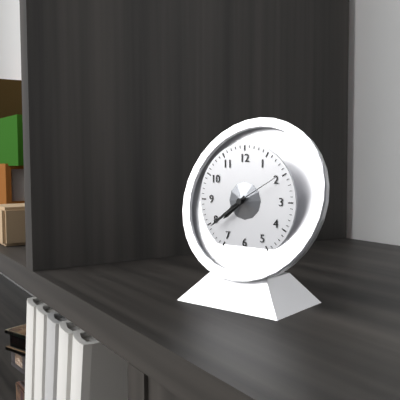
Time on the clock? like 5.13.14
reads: 7.39.10
